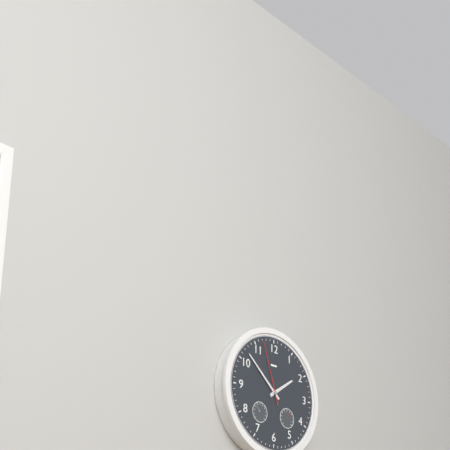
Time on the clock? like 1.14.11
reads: 1.52.57
